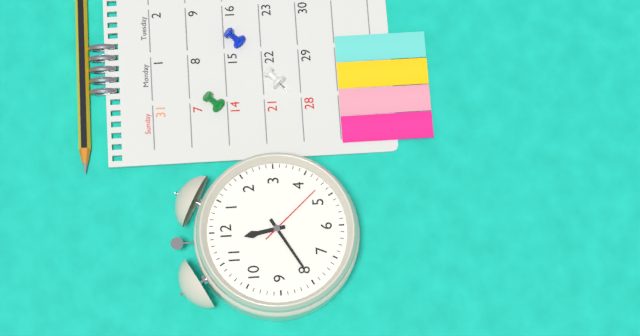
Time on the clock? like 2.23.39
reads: 11.40.23
